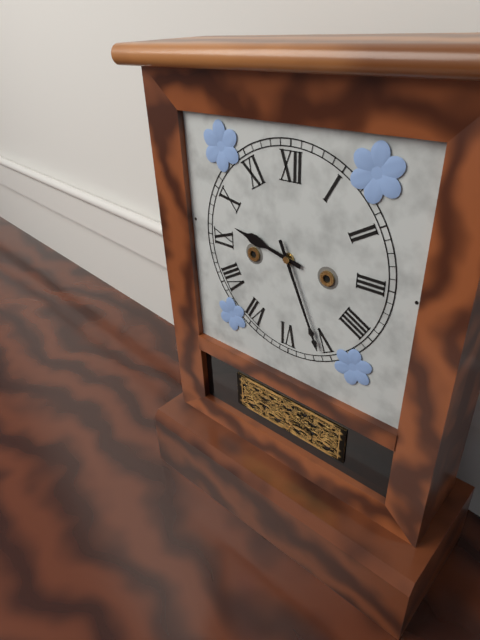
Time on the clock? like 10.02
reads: 9.26
